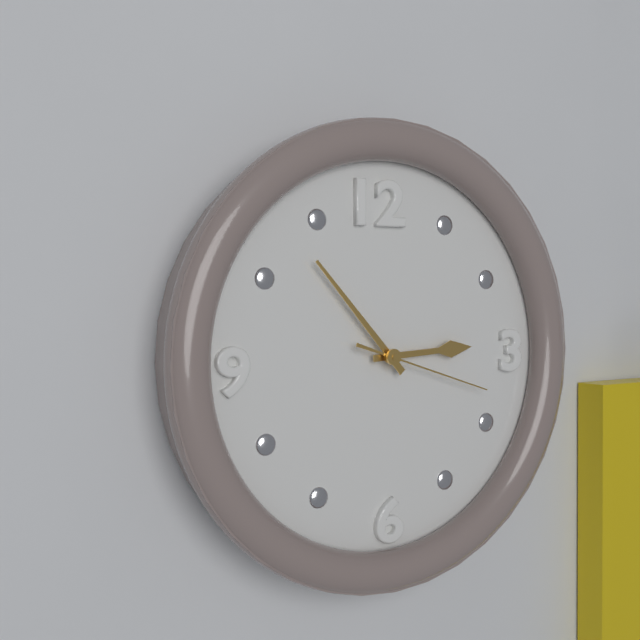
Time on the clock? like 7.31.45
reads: 2.53.18
